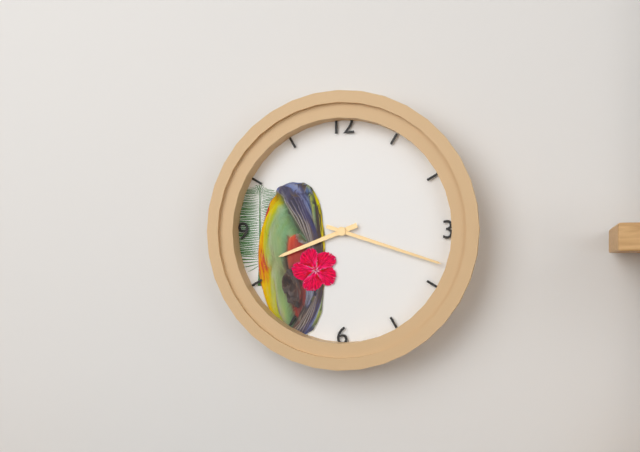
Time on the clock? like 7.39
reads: 8.18
